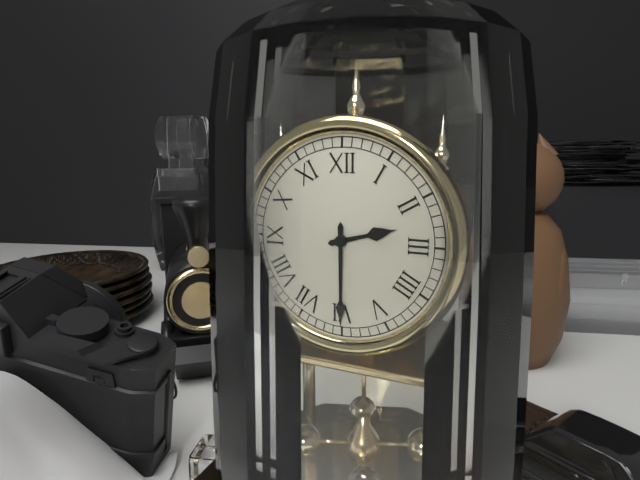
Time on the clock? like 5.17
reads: 2.30
